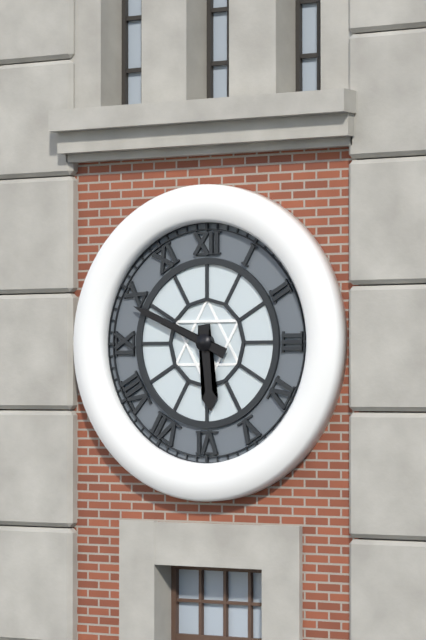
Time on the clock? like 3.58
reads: 5.49
